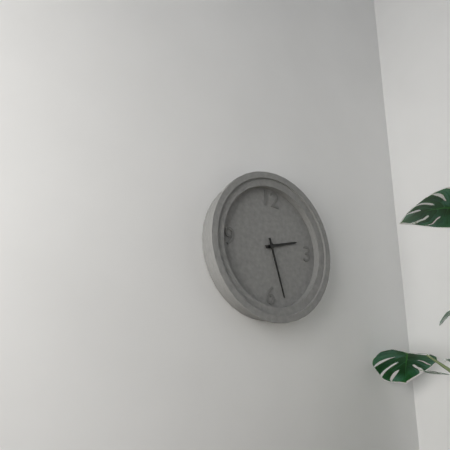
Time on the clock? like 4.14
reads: 2.27
